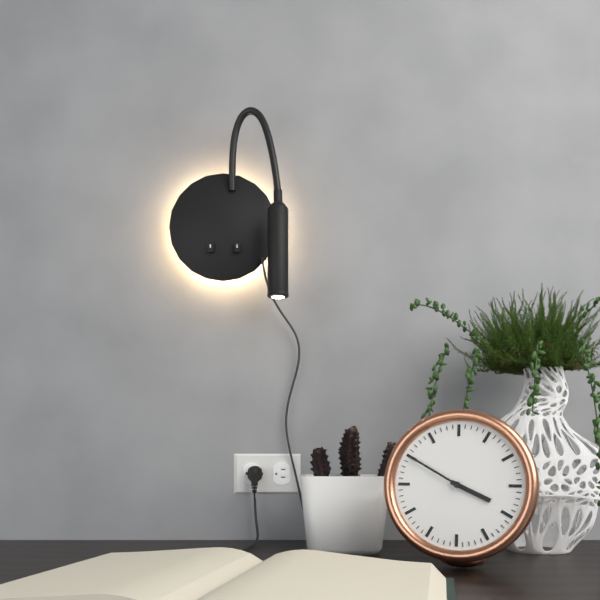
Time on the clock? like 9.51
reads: 3.50
